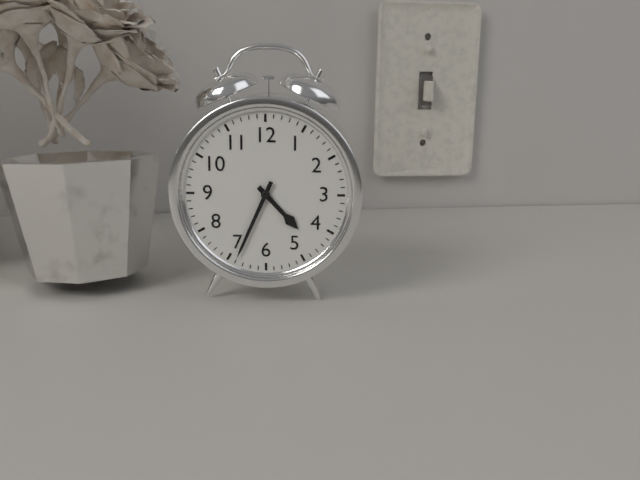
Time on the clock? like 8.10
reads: 4.34
